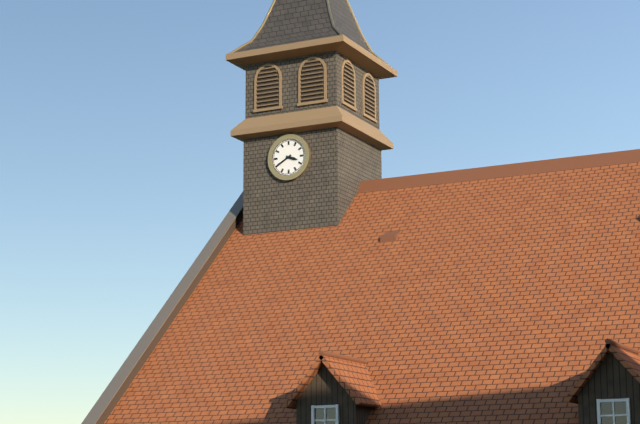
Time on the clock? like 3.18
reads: 3.40
